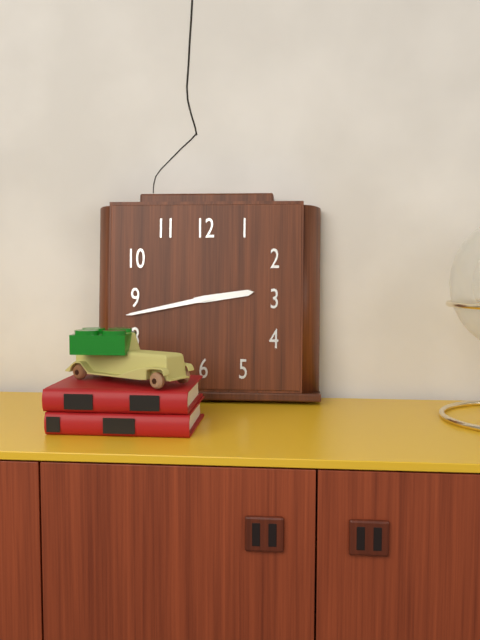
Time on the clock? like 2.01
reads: 2.43
